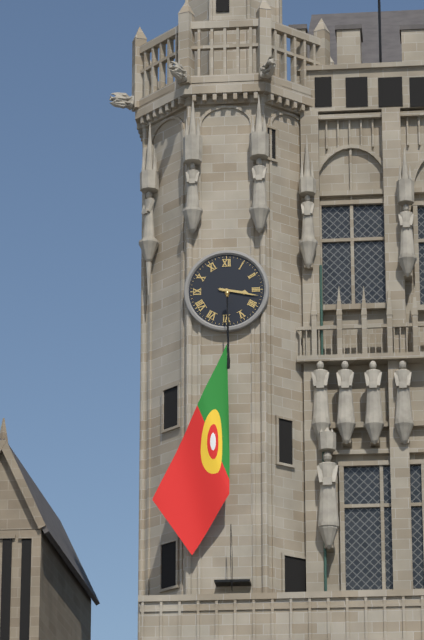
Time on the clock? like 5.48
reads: 3.17
